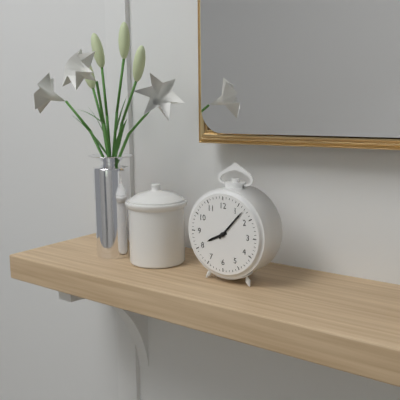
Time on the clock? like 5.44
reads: 8.07
